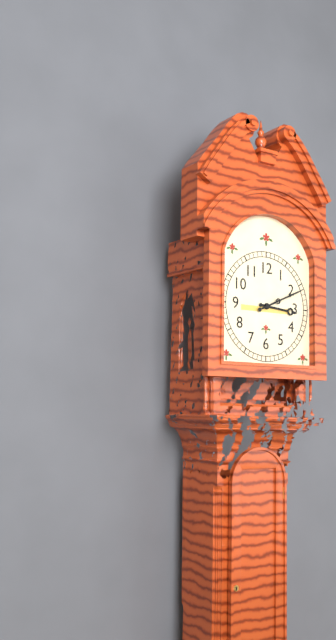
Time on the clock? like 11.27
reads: 3.11
